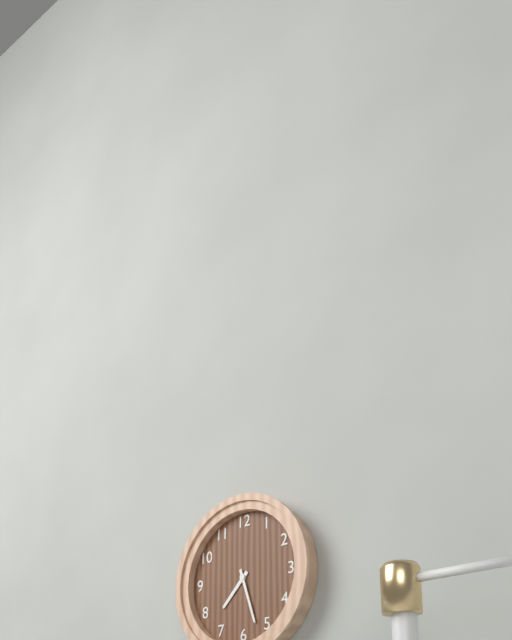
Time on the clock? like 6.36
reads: 7.27
